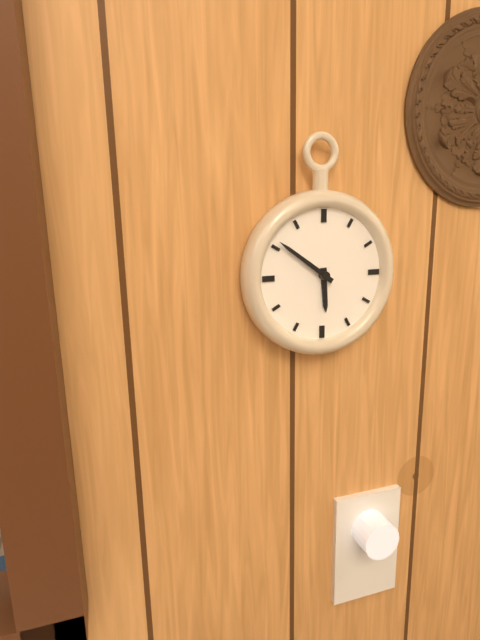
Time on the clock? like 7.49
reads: 5.51
